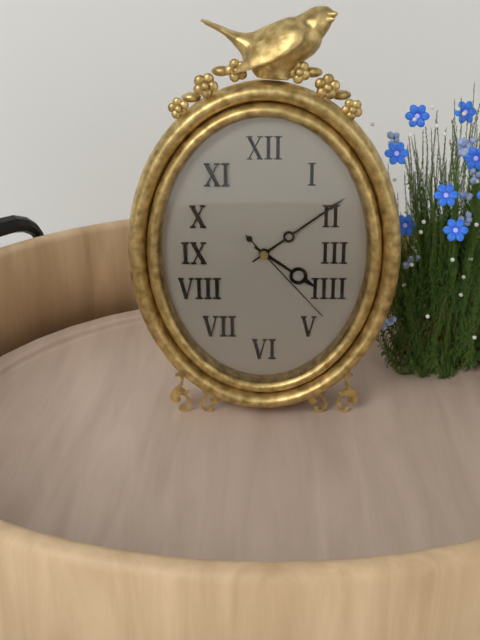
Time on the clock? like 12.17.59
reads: 4.09.23
